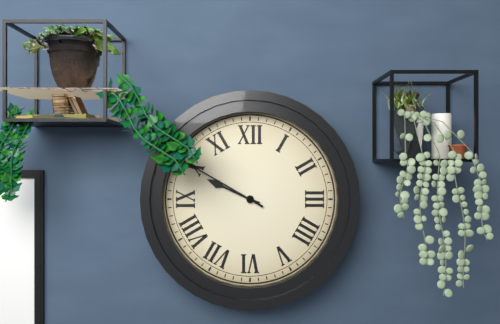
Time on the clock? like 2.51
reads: 9.50
